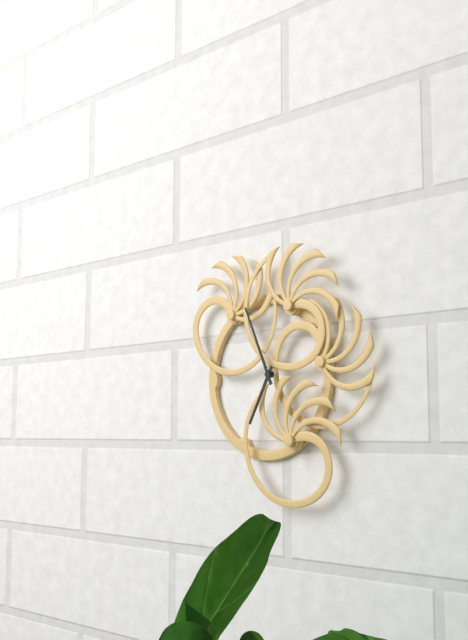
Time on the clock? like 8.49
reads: 6.56
